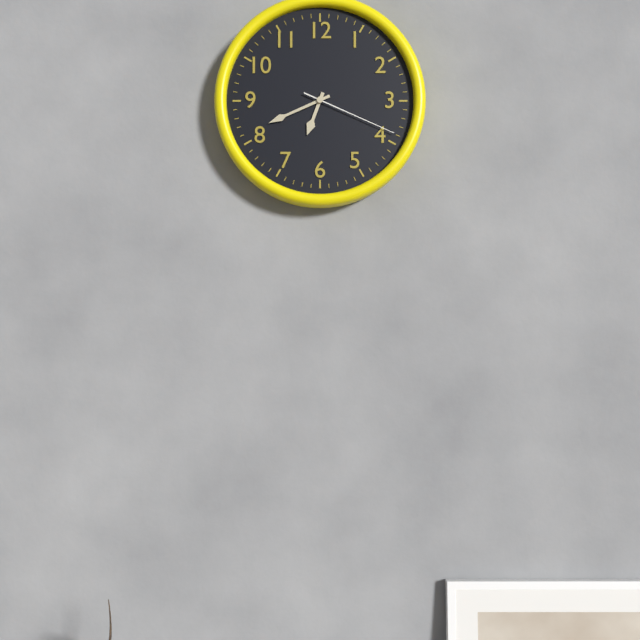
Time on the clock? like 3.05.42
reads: 6.41.19
